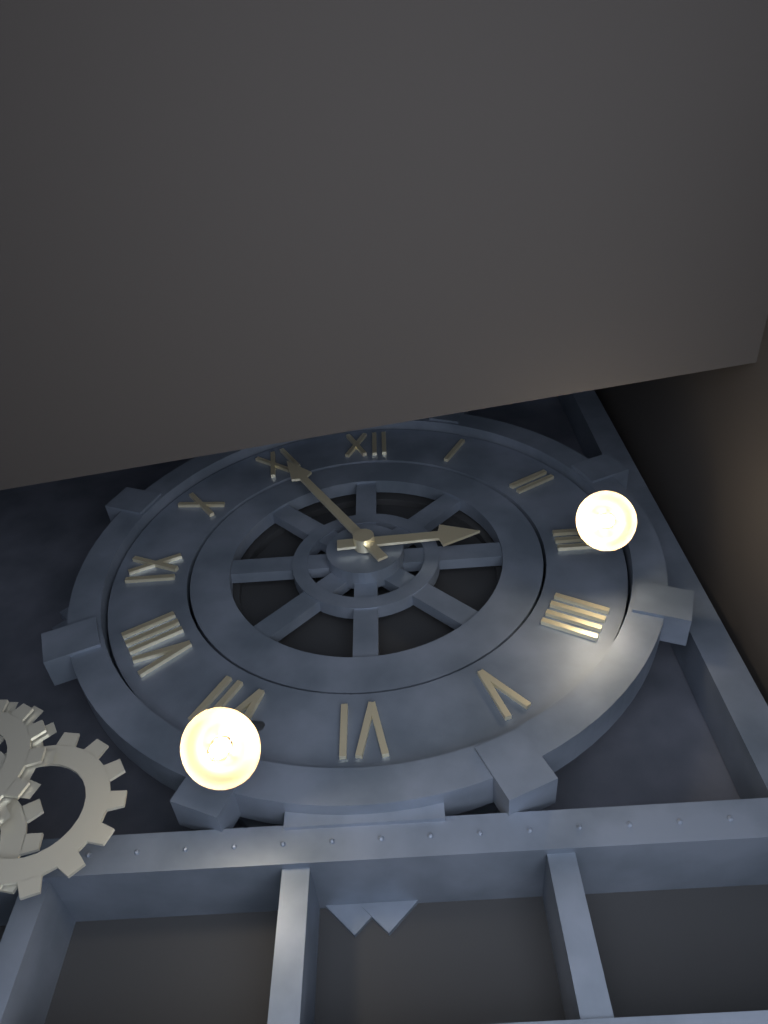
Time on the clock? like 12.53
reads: 2.55
